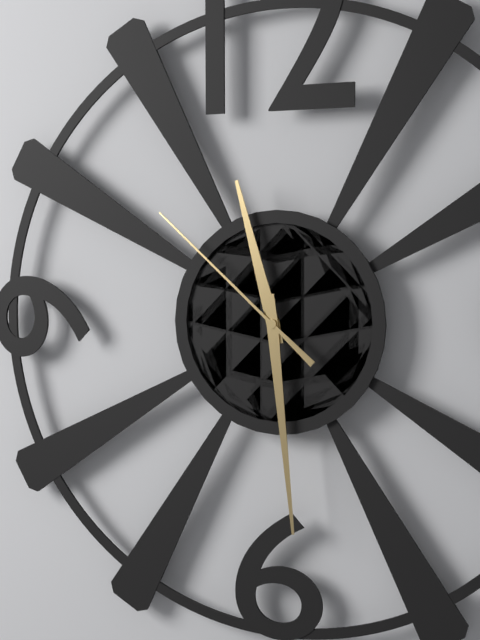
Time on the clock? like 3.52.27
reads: 11.29.52
